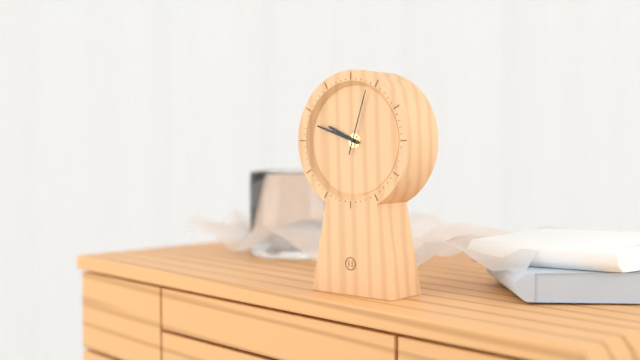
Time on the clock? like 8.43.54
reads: 9.48.03
